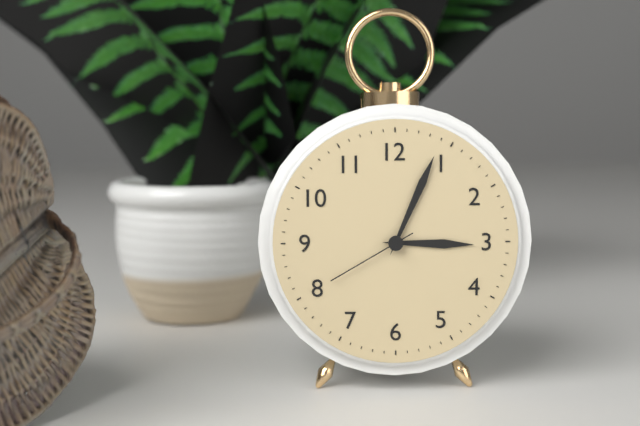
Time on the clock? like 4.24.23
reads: 3.04.40
